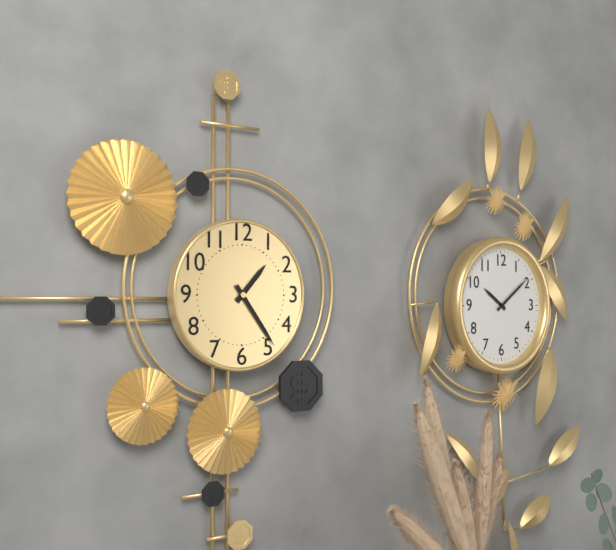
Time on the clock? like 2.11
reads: 1.24
